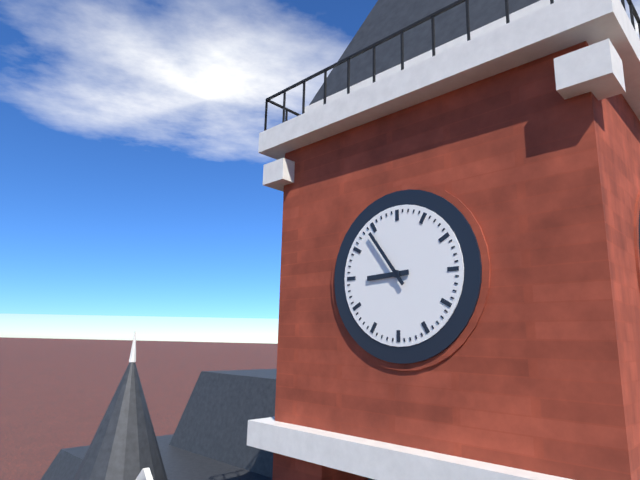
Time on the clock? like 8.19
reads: 8.54
